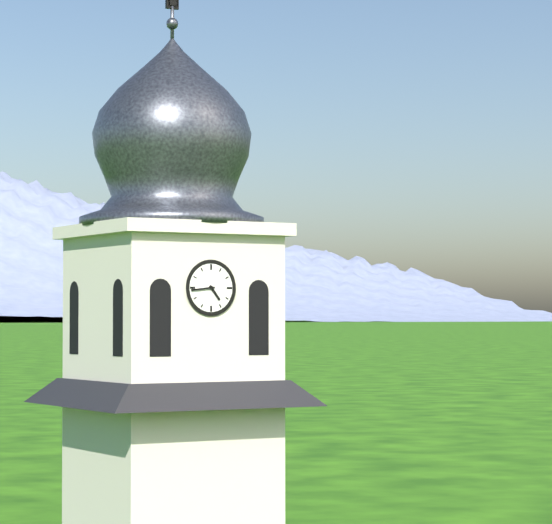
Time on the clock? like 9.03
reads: 4.44
